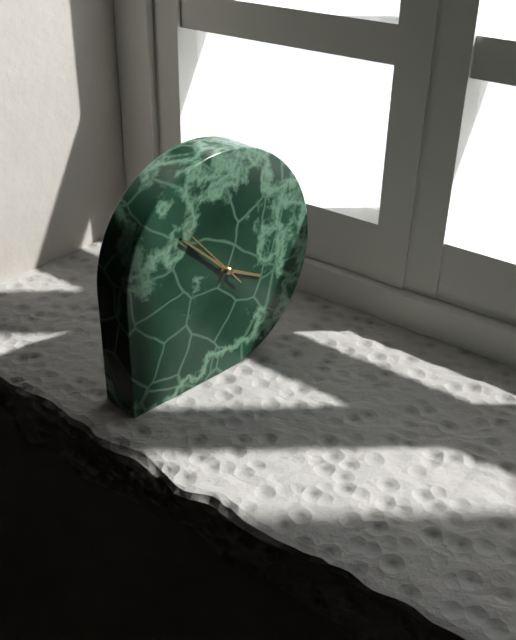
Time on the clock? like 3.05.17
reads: 3.52.53
